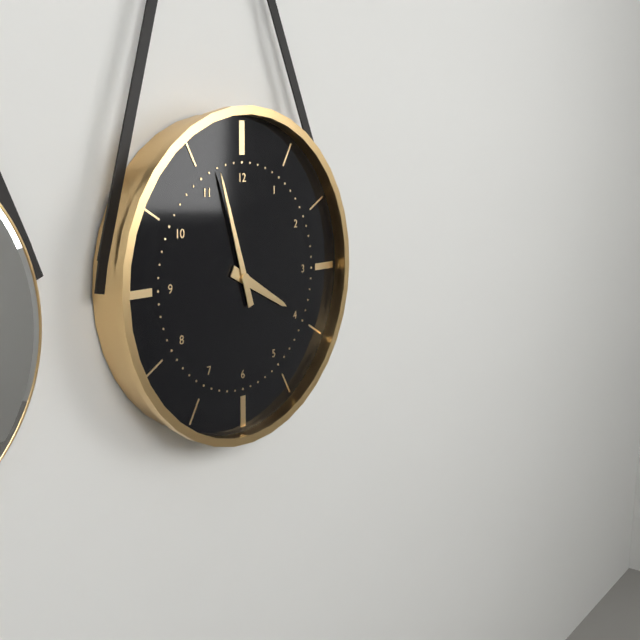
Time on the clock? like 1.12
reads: 3.57
